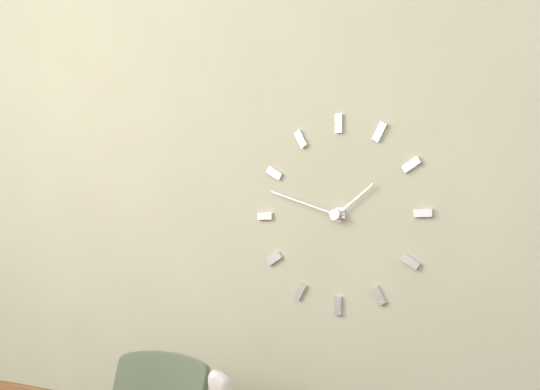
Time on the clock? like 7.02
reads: 1.48
